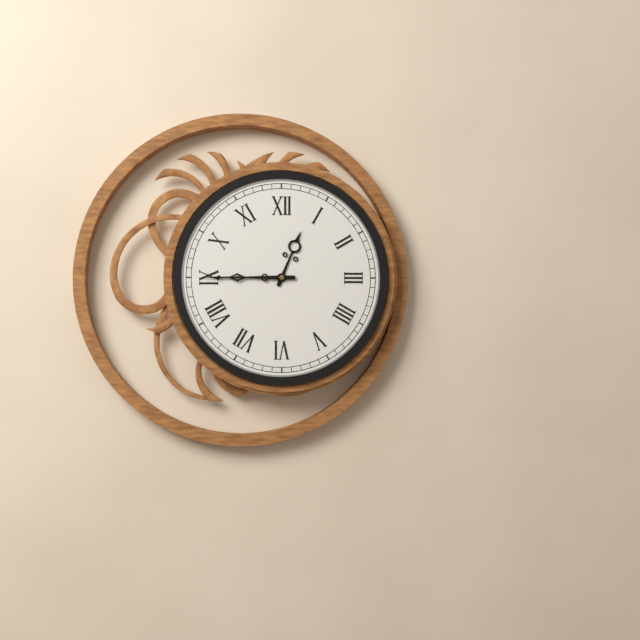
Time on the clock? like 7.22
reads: 12.45
